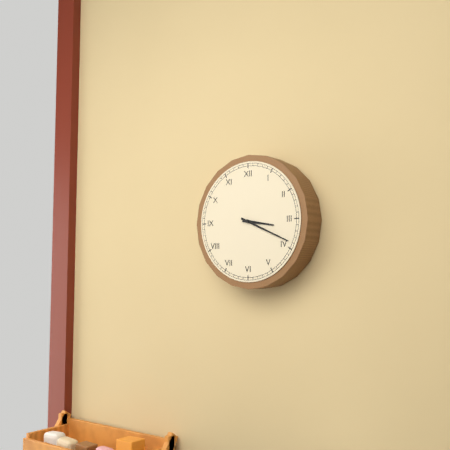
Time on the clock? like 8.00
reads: 3.19
